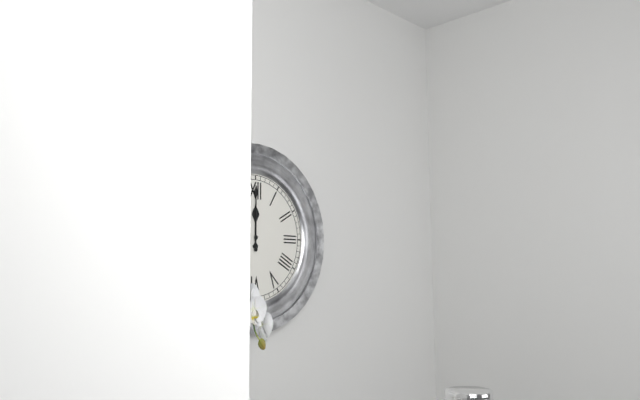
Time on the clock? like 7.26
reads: 12.00
